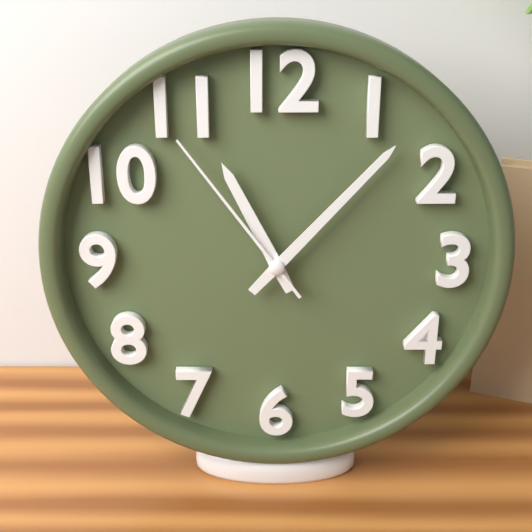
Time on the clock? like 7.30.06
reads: 11.07.54
